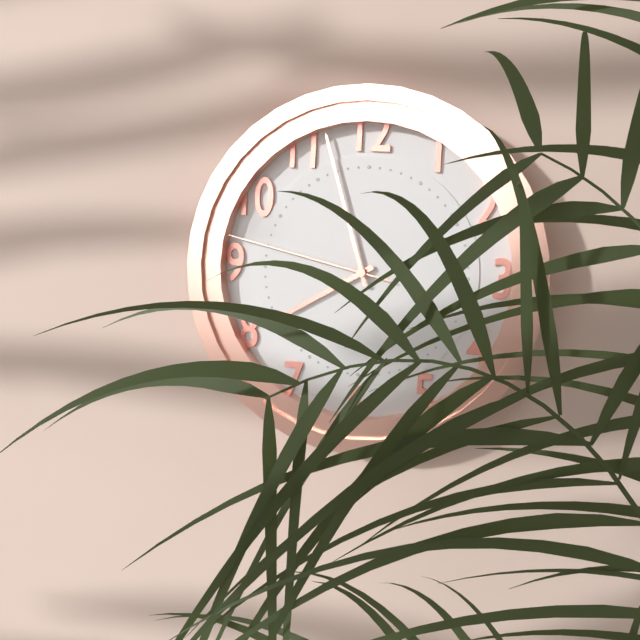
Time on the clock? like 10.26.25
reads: 7.57.47
